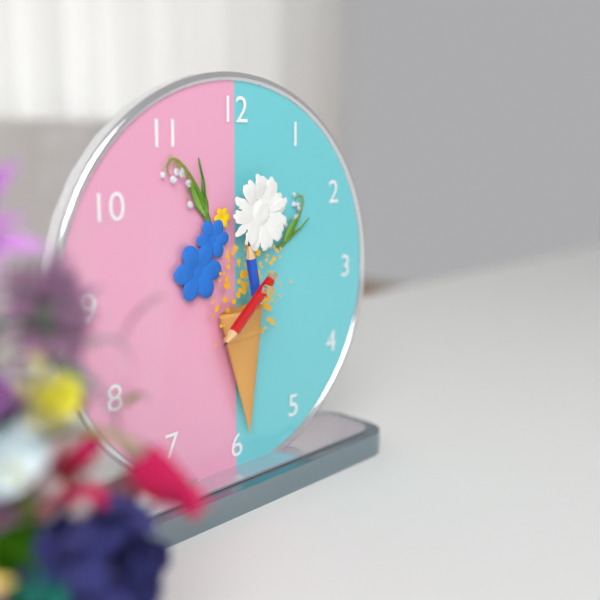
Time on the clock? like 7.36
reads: 11.38
